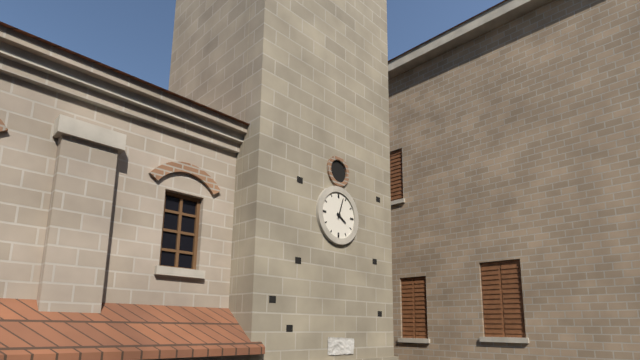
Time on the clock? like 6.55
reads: 4.03
